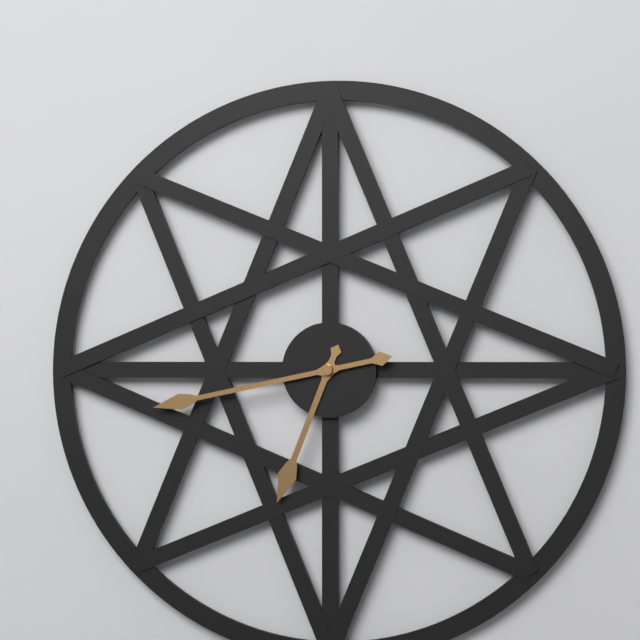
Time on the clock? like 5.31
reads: 6.43
